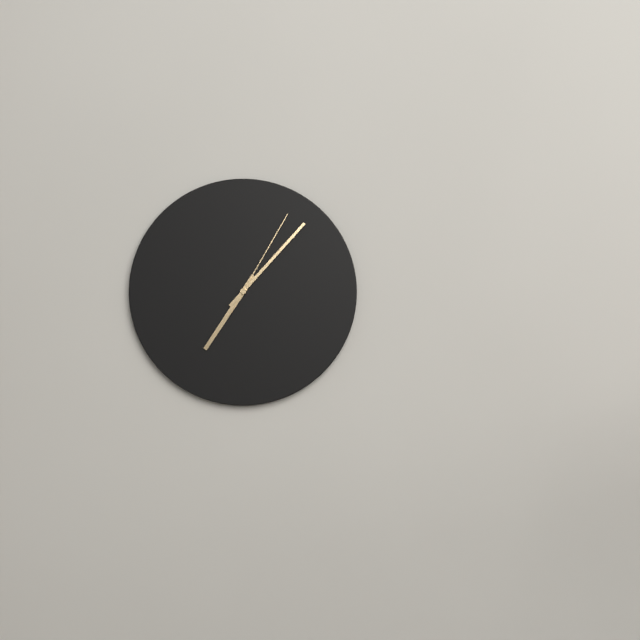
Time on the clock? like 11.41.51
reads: 7.07.05
